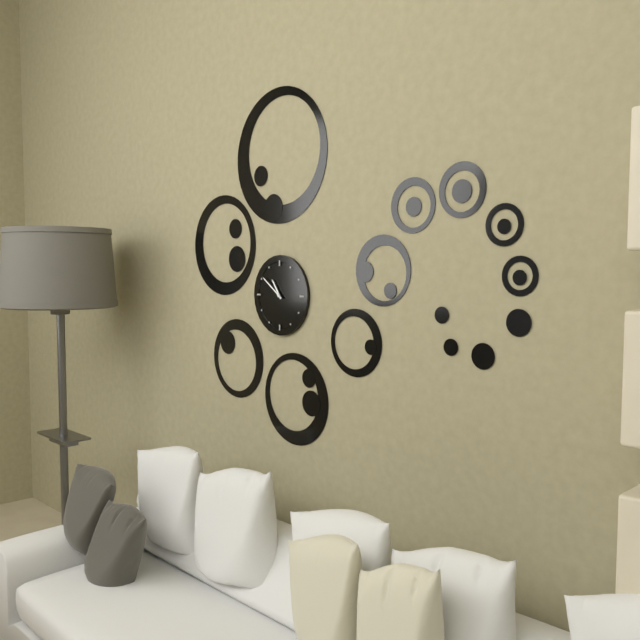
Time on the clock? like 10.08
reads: 10.51
